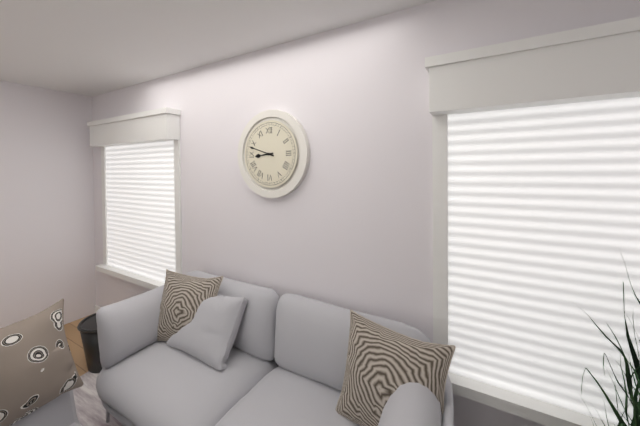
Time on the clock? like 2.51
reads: 8.48
